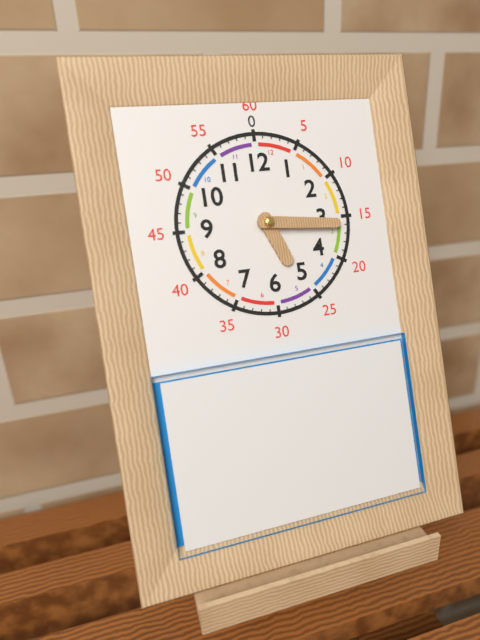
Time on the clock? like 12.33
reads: 5.16
